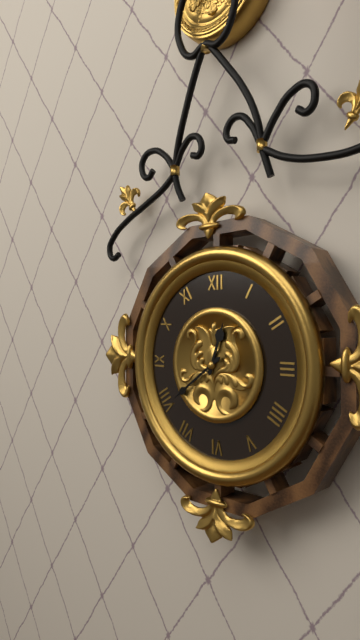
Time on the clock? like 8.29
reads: 12.39
